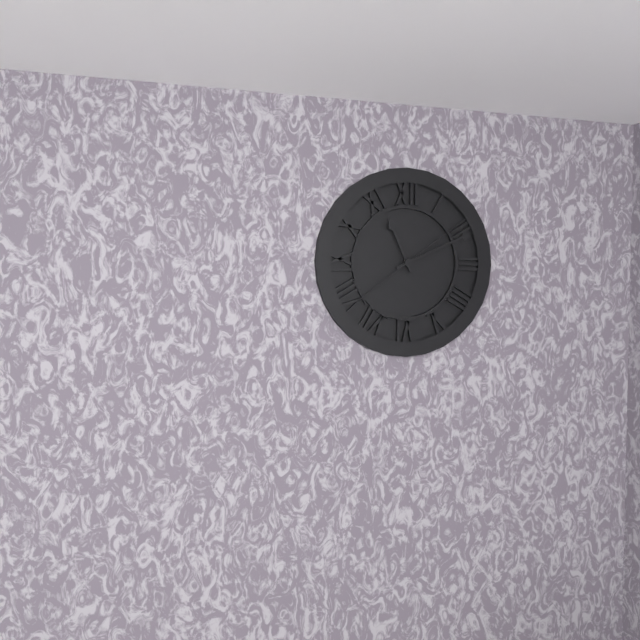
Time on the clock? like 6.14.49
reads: 11.11.09
